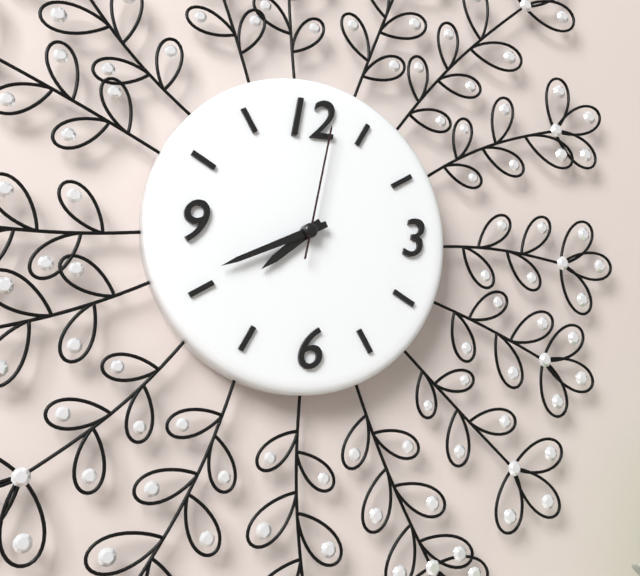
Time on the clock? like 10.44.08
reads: 7.41.02
